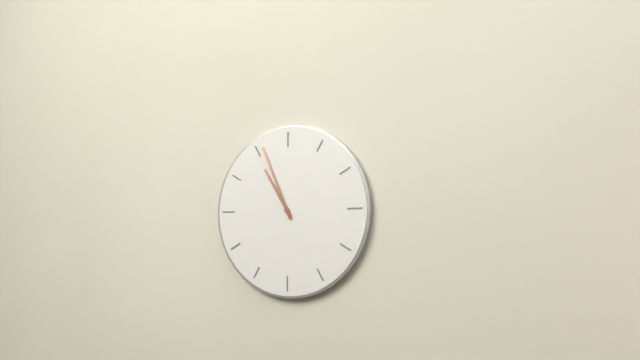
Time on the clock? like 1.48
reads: 10.56
